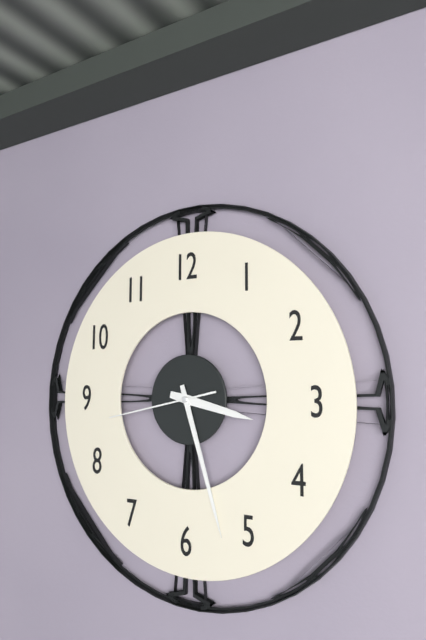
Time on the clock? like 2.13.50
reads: 3.27.43
